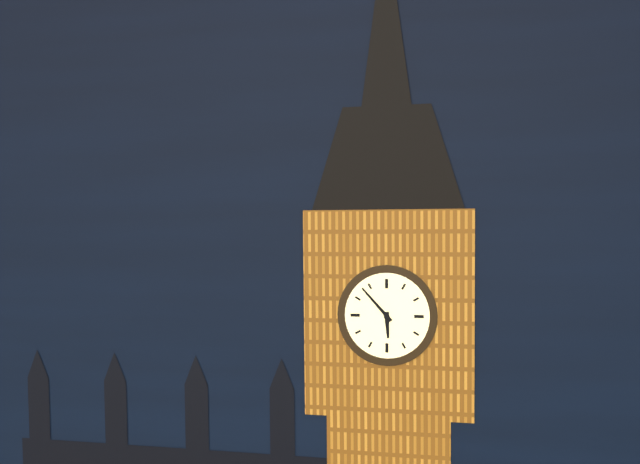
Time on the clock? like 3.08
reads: 5.53
